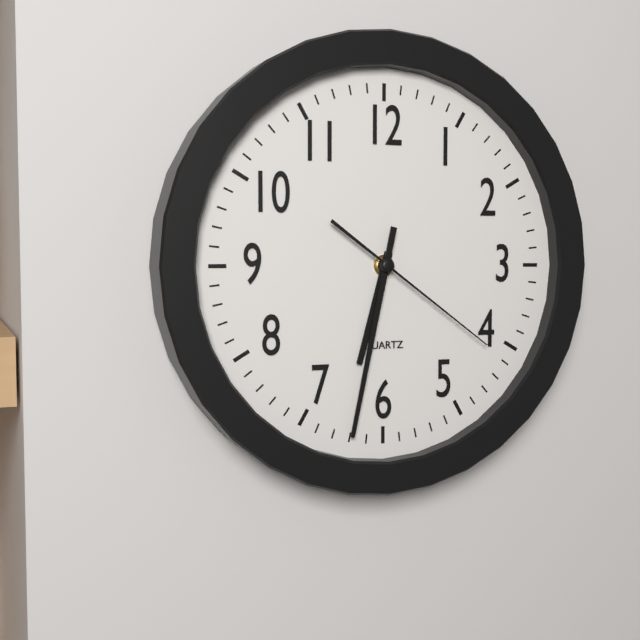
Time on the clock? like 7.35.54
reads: 6.32.21
